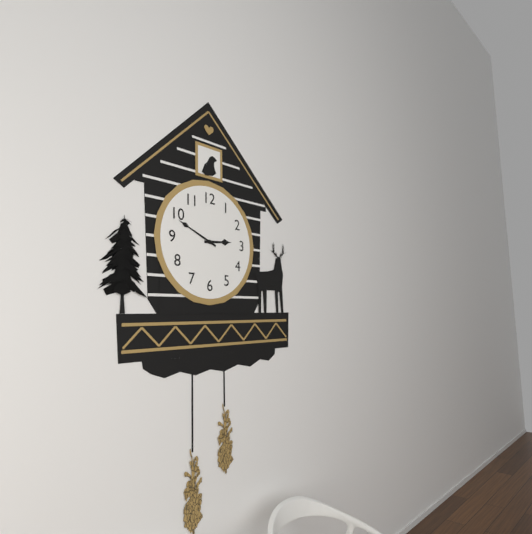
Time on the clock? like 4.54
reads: 2.49
